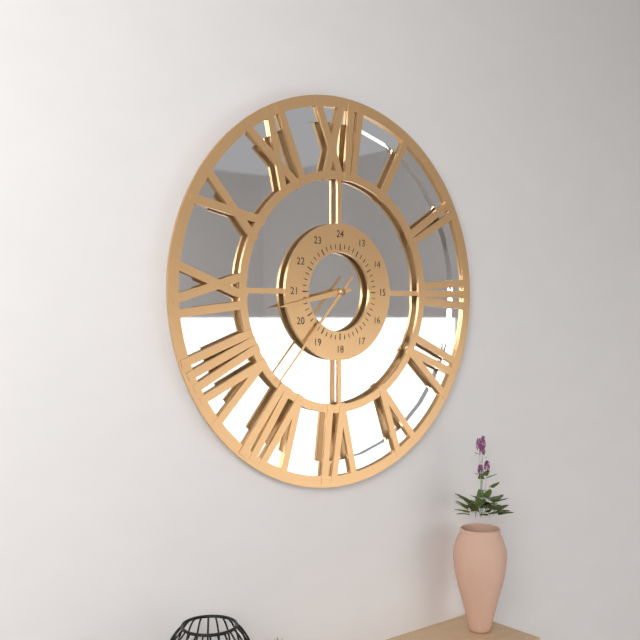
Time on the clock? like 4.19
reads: 8.37
